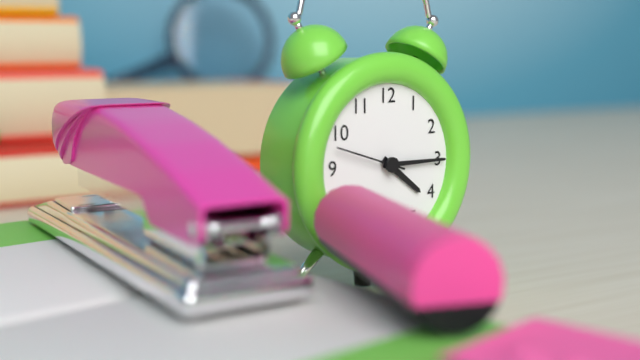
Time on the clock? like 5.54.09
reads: 4.15.48
